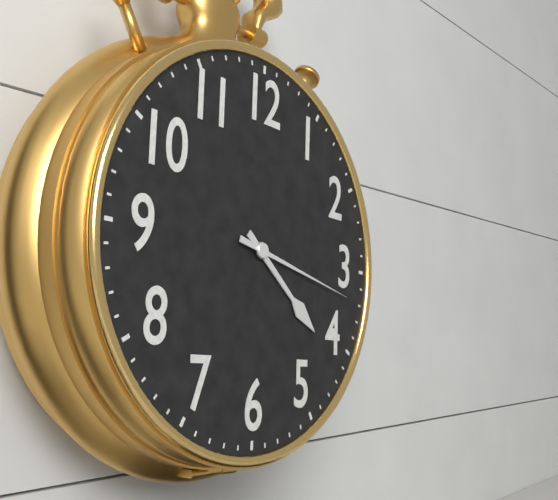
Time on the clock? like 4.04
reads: 4.17
